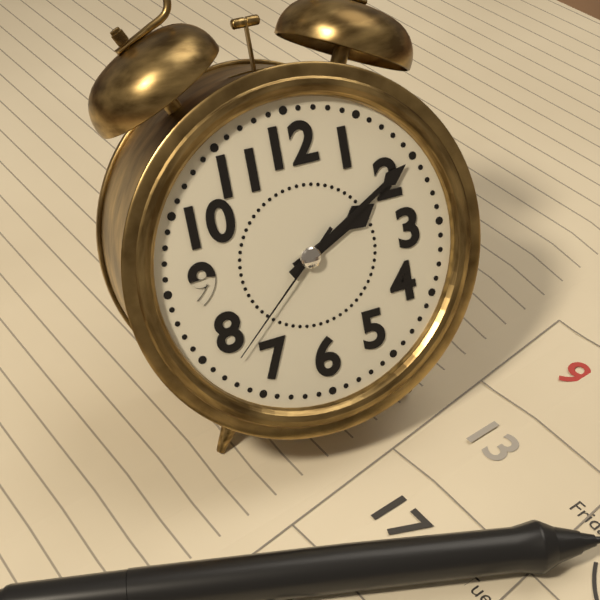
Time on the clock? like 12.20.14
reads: 2.10.38
